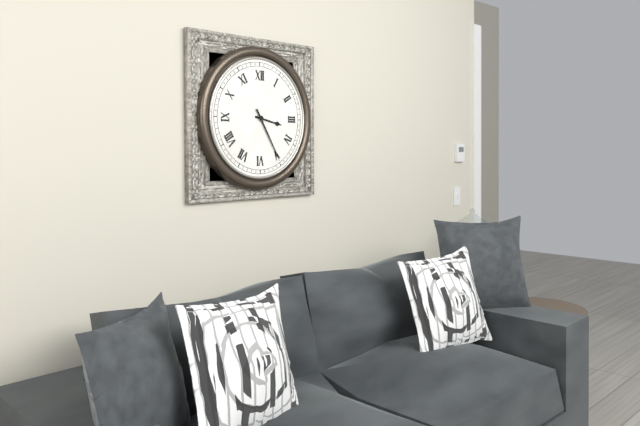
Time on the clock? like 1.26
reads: 3.25
